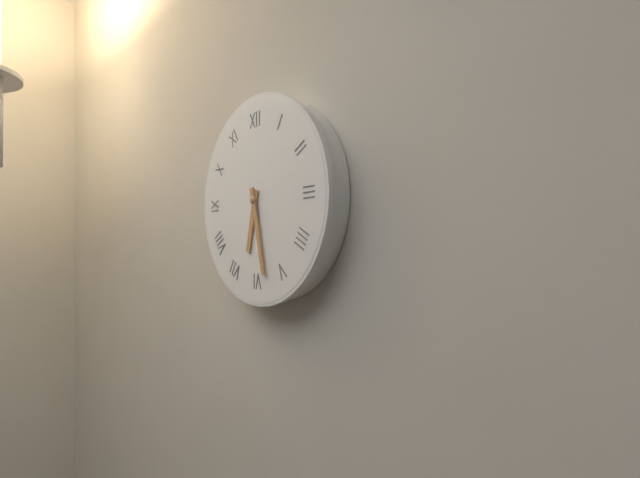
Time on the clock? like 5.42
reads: 6.28
